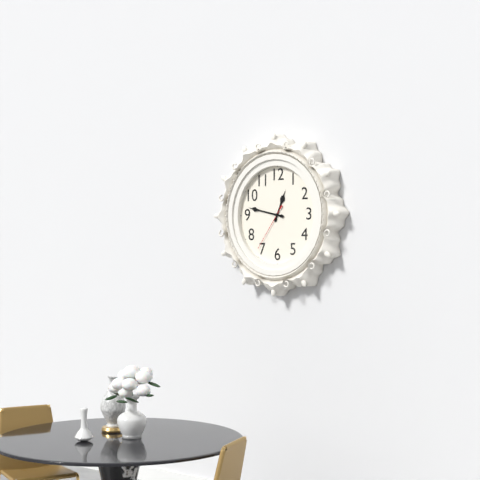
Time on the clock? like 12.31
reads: 12.47
